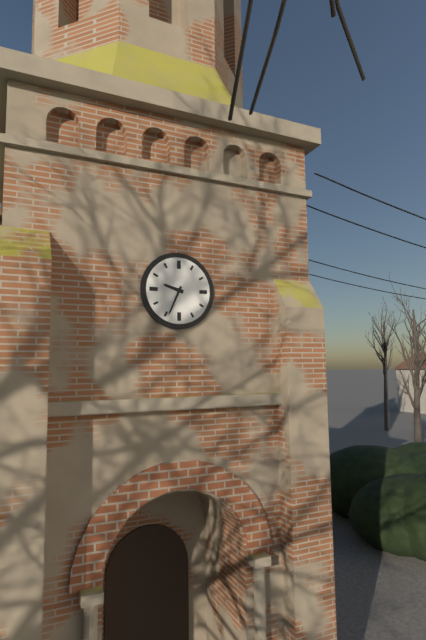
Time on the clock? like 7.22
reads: 9.34
